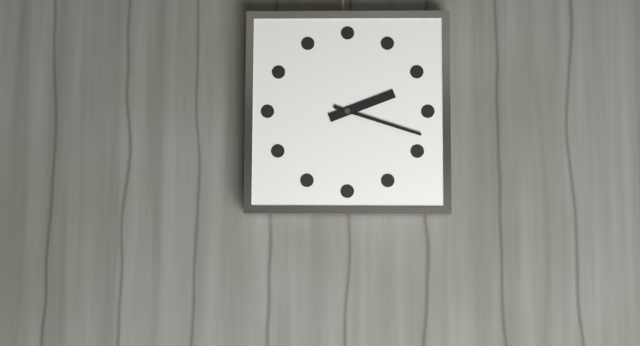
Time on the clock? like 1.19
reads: 2.18
